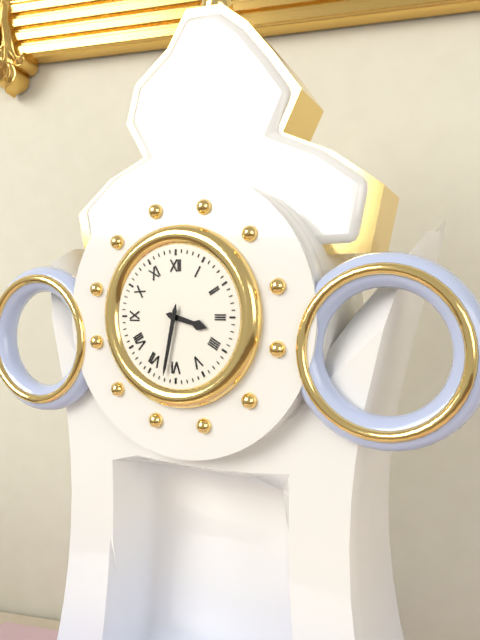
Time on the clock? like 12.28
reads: 3.32
